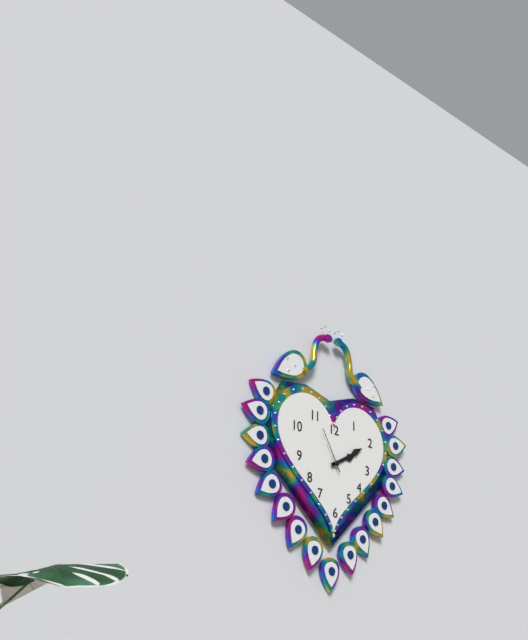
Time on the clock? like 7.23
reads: 2.10
